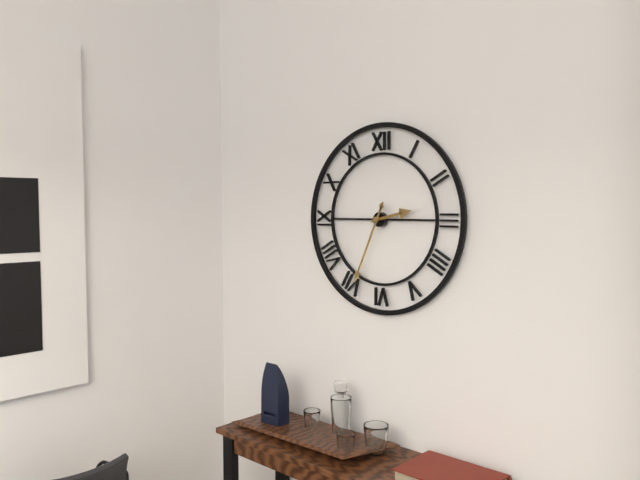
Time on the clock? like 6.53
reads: 2.34
